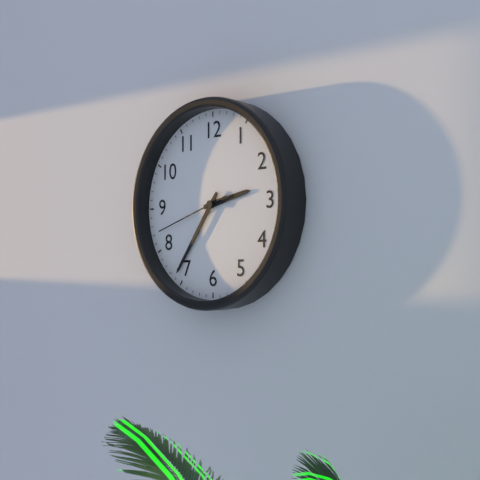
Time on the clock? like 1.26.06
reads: 2.36.42
